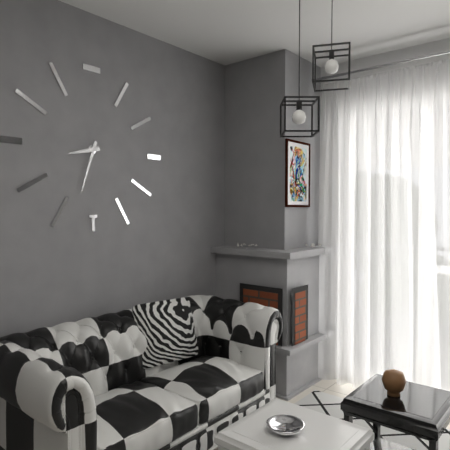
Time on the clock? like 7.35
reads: 8.33
